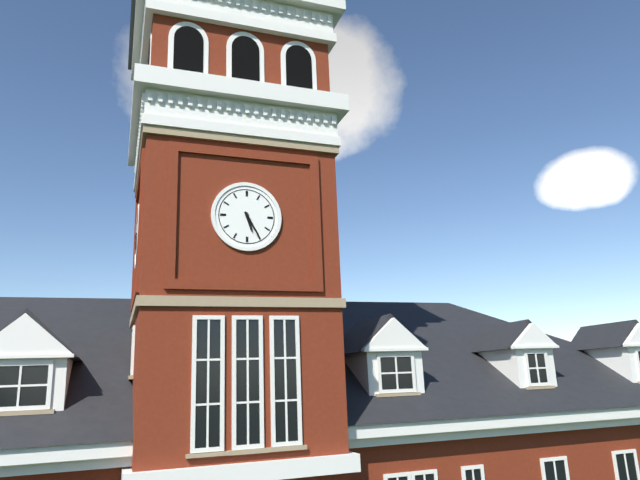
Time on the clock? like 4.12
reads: 5.25
